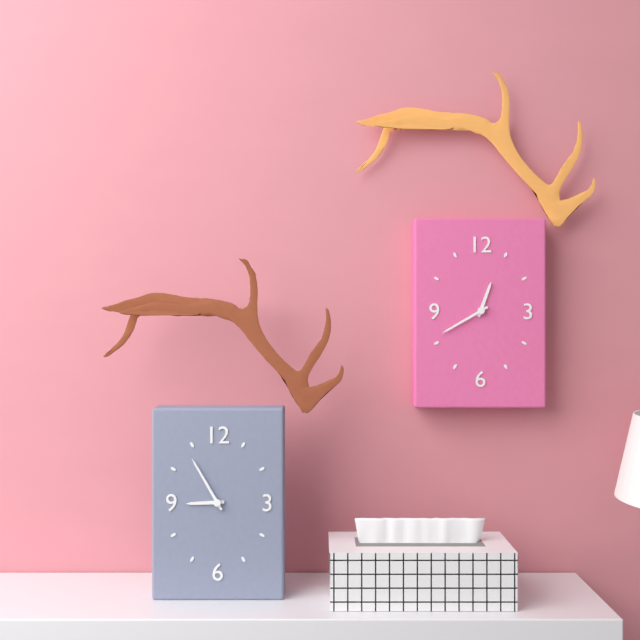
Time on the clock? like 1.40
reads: 8.55
